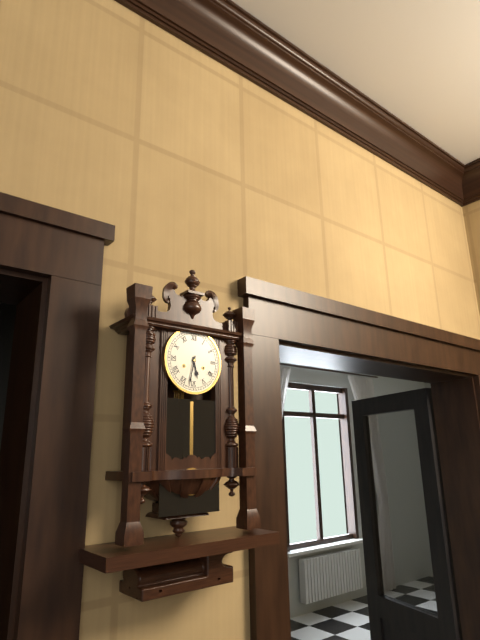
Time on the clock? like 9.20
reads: 5.32
